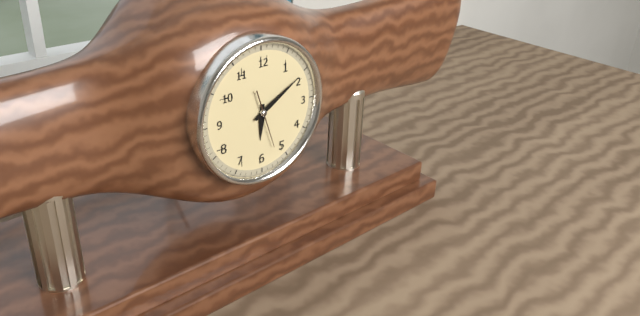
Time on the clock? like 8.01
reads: 6.10
